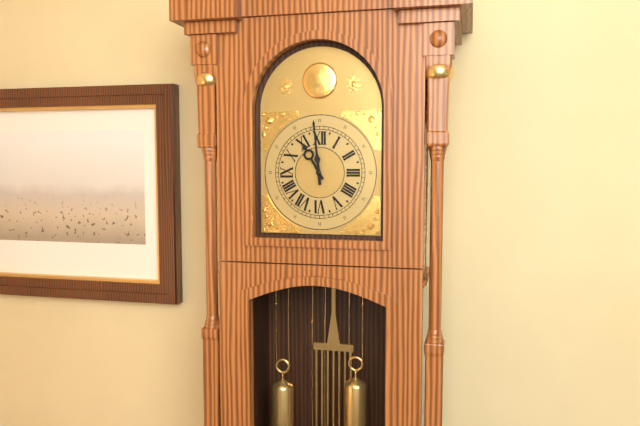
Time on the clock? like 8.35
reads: 10.59
